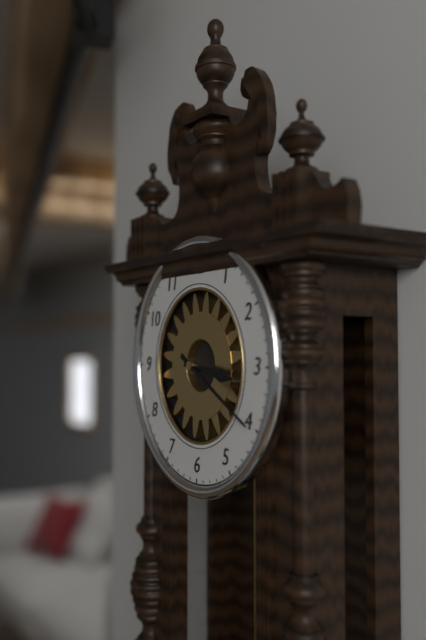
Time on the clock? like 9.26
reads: 3.20
